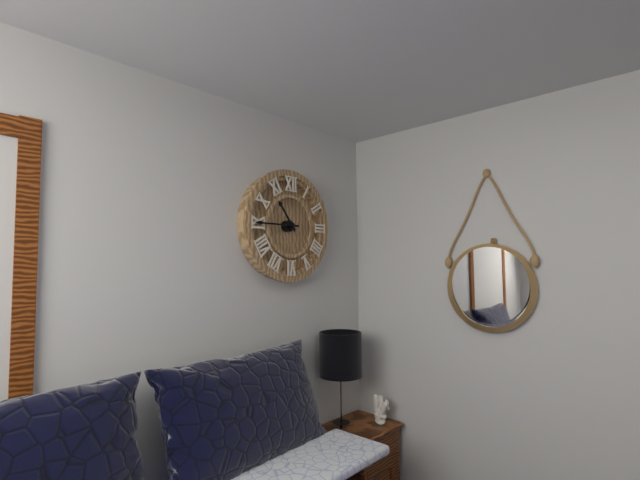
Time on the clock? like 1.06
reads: 10.45
